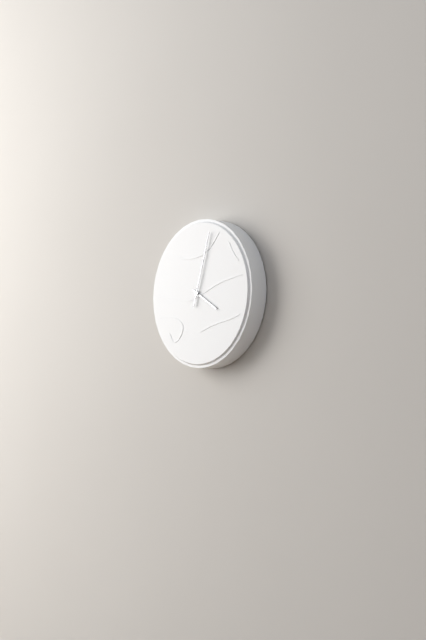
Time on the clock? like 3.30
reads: 4.03
